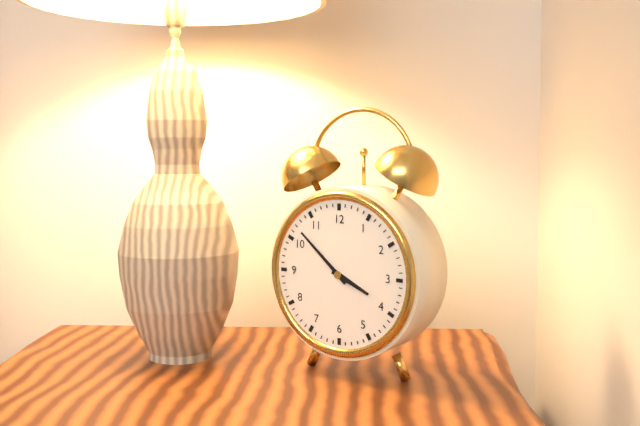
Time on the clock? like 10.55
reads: 3.52
